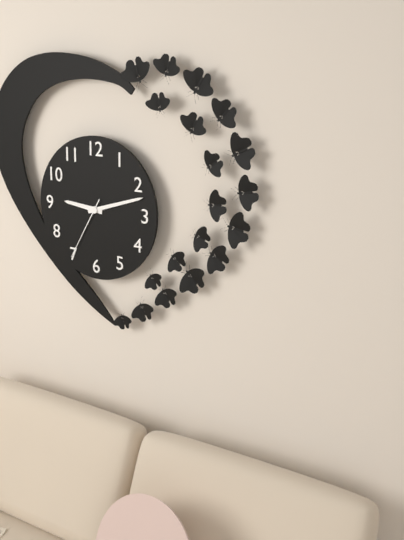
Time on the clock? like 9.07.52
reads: 9.12.35
